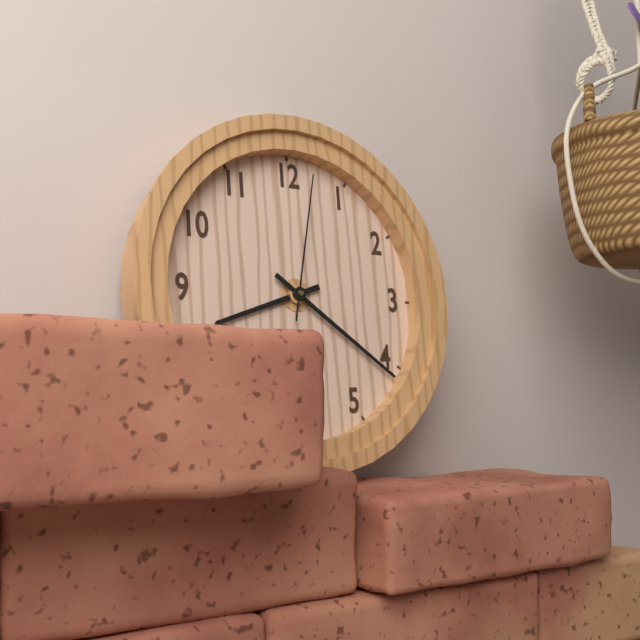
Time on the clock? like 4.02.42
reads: 8.21.02
